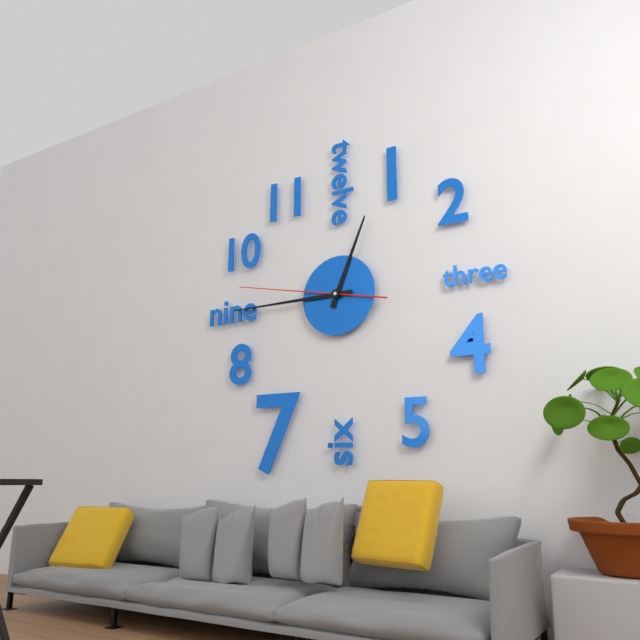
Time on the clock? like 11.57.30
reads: 12.45.47
